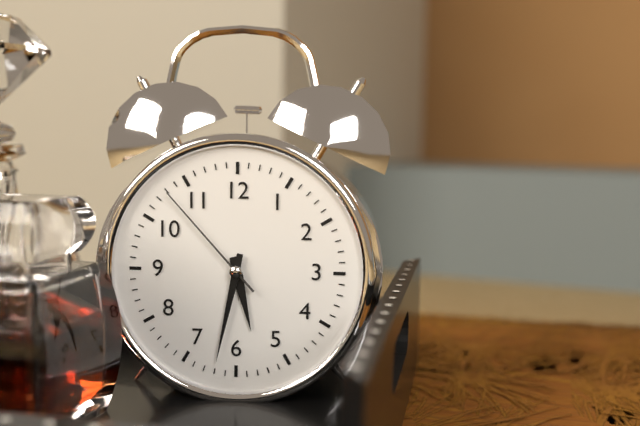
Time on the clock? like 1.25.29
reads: 5.32.53
